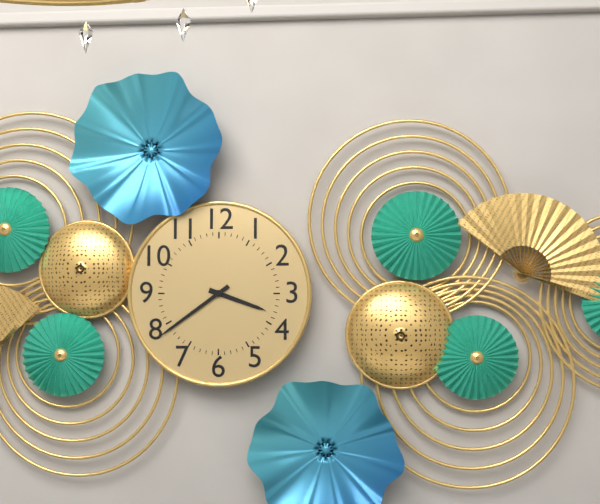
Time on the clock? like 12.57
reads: 3.39
